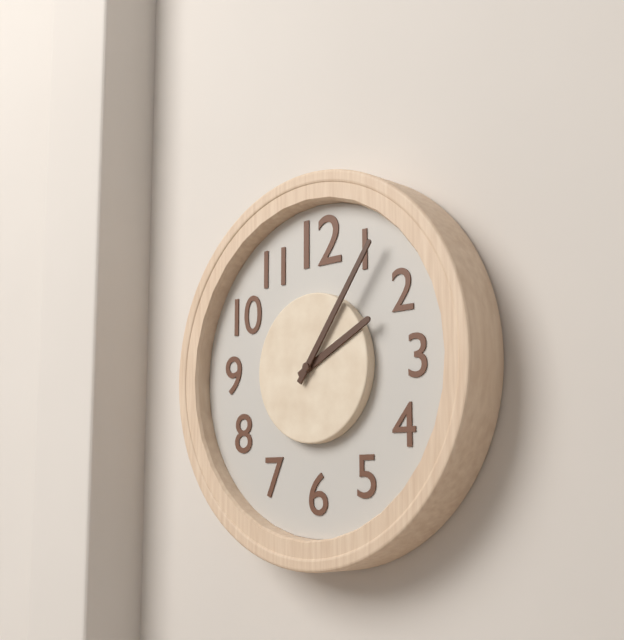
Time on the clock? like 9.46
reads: 2.06
